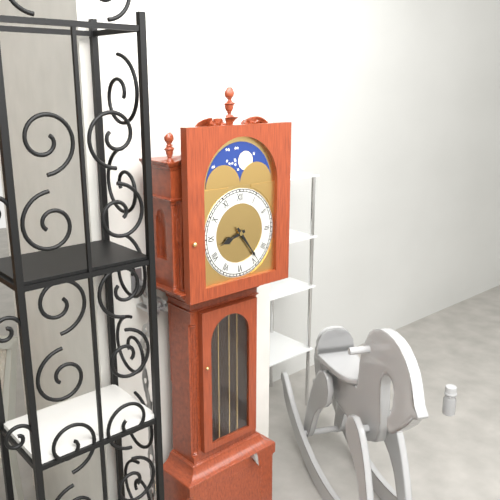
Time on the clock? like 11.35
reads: 8.24
